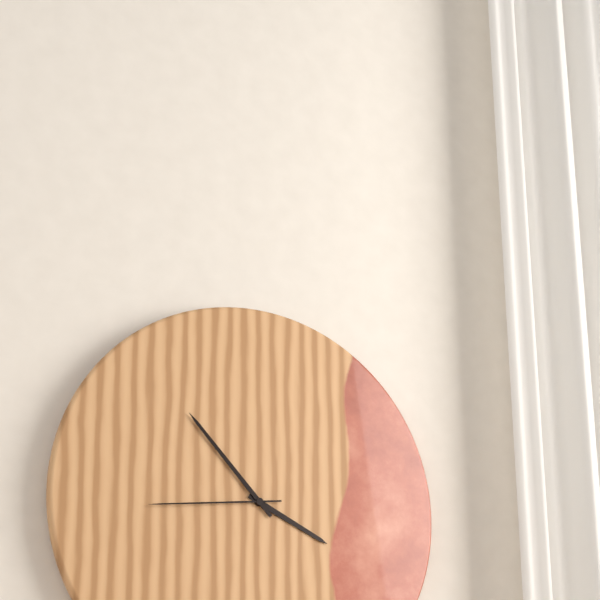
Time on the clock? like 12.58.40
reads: 3.53.44
